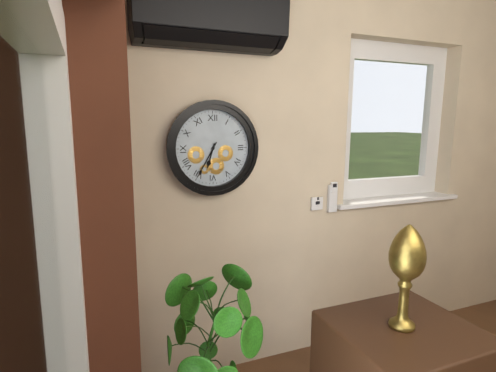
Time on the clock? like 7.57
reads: 6.35
